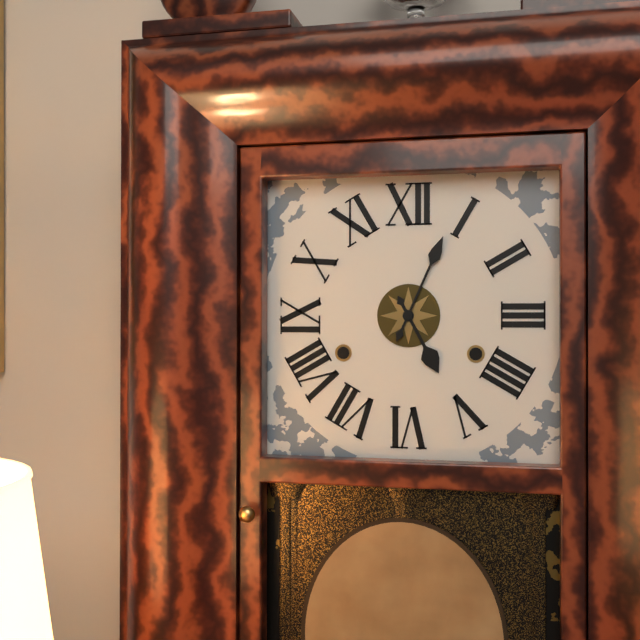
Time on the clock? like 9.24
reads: 5.04
